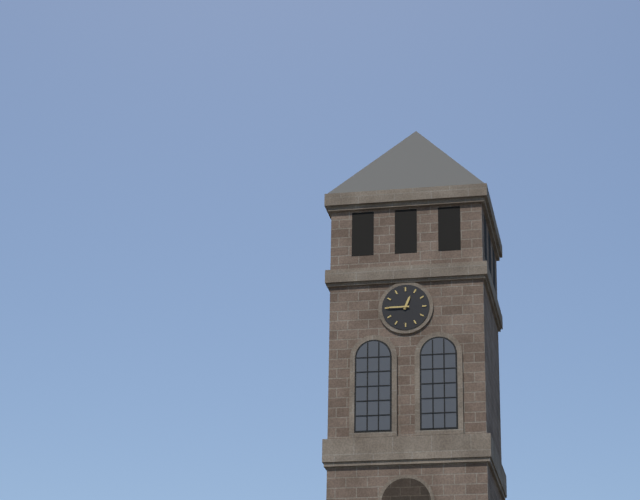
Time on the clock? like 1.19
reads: 12.45
